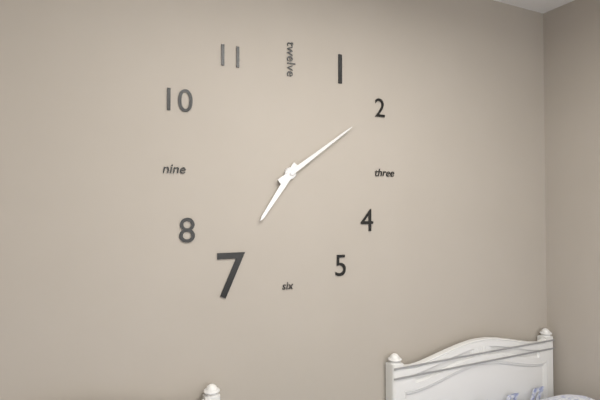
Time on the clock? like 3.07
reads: 7.09
